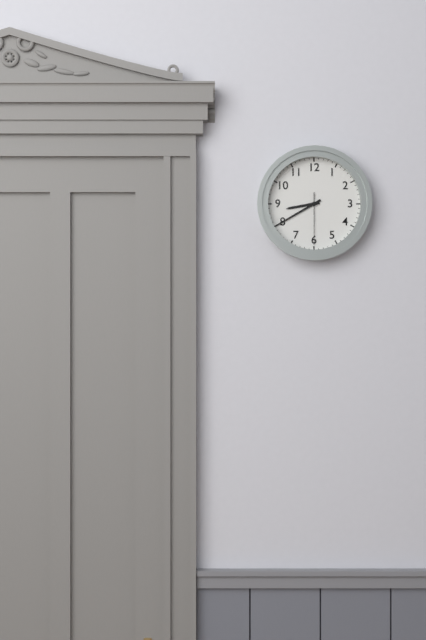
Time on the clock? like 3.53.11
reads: 8.40.30
